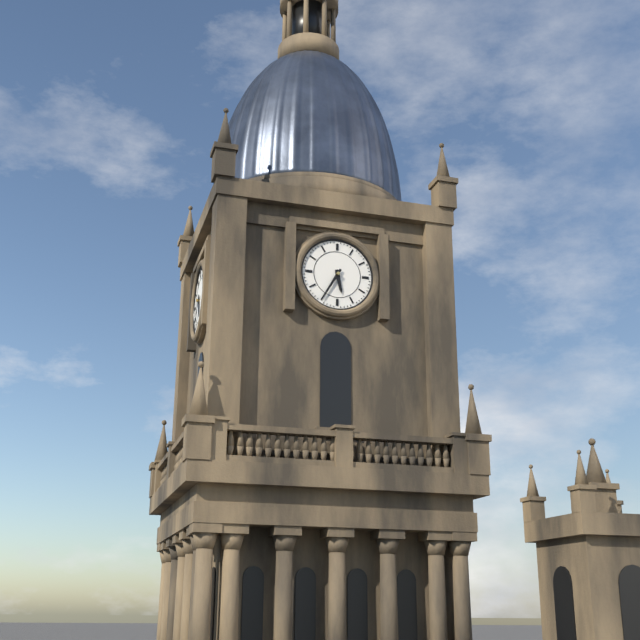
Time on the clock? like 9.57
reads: 5.35
